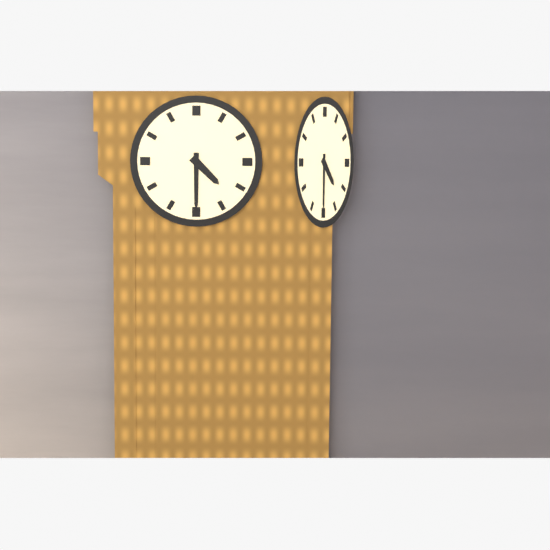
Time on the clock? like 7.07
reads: 4.30
